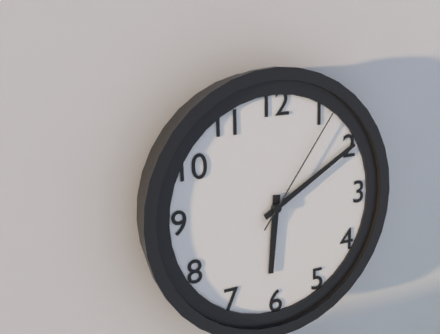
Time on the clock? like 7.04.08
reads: 6.10.06
